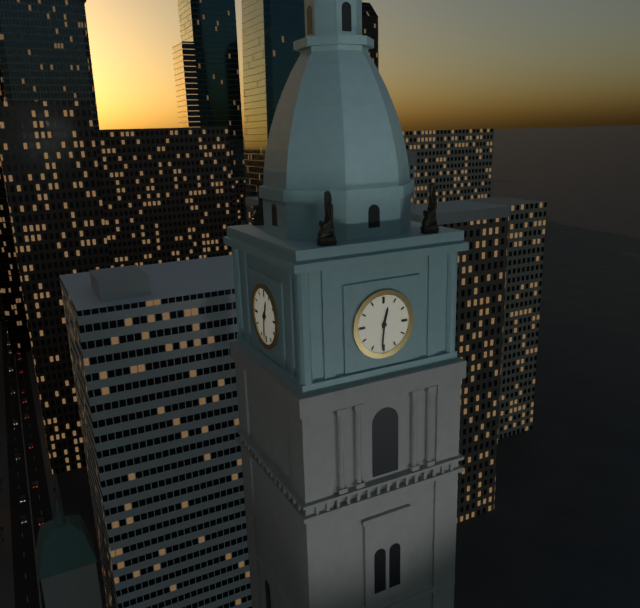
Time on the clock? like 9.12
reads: 12.31
